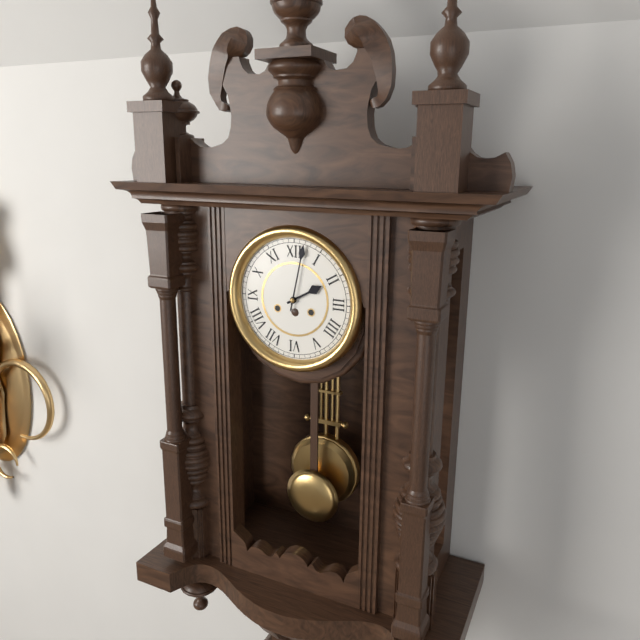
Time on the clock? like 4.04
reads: 2.02
